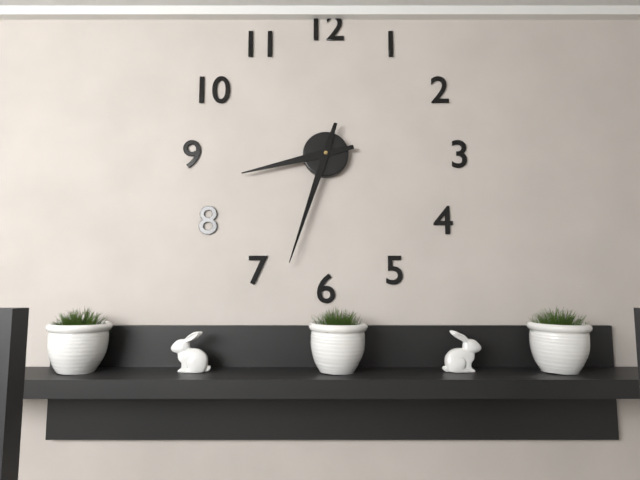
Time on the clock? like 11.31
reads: 8.33
